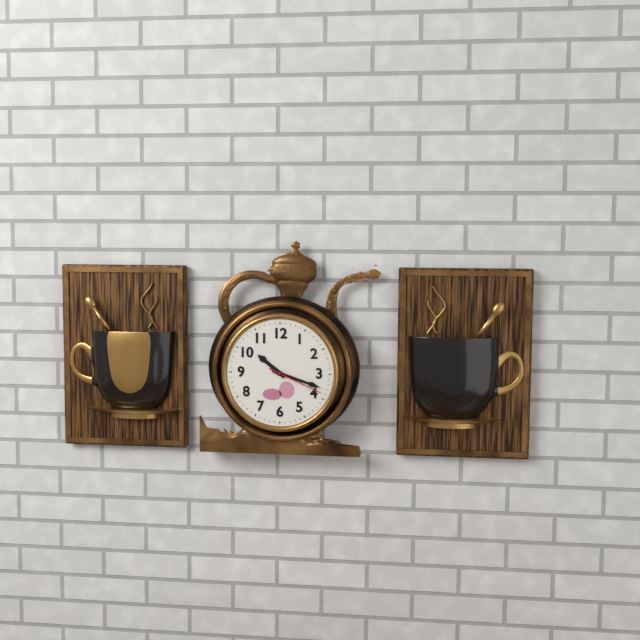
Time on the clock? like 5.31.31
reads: 10.18.19
